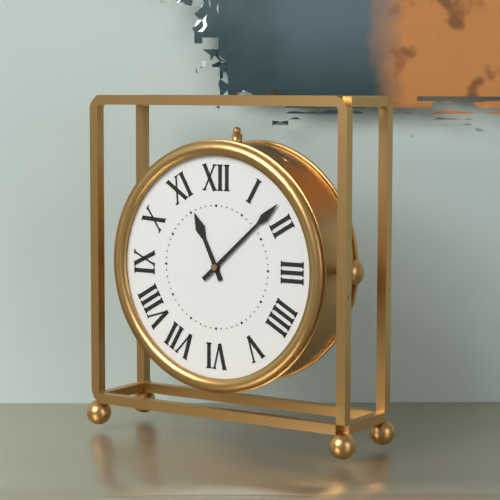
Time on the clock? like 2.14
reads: 11.08
